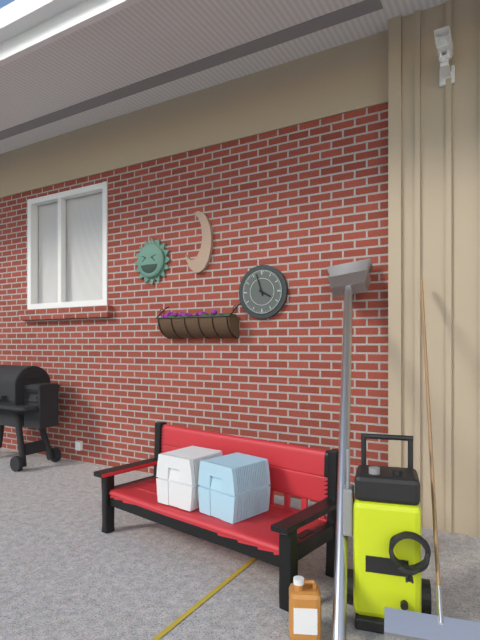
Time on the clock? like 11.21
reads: 3.57
